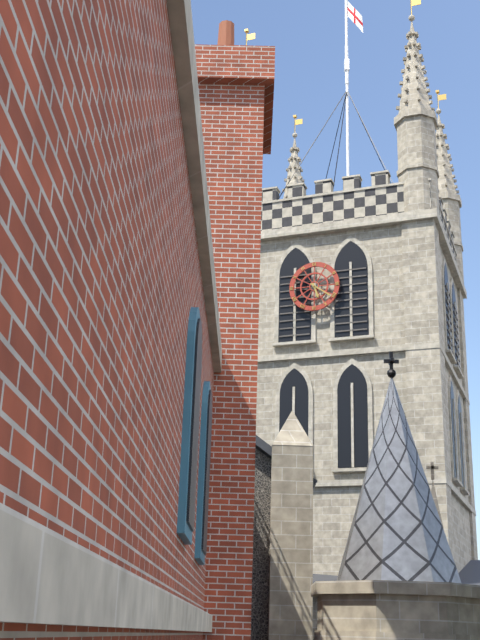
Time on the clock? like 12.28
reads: 5.21
